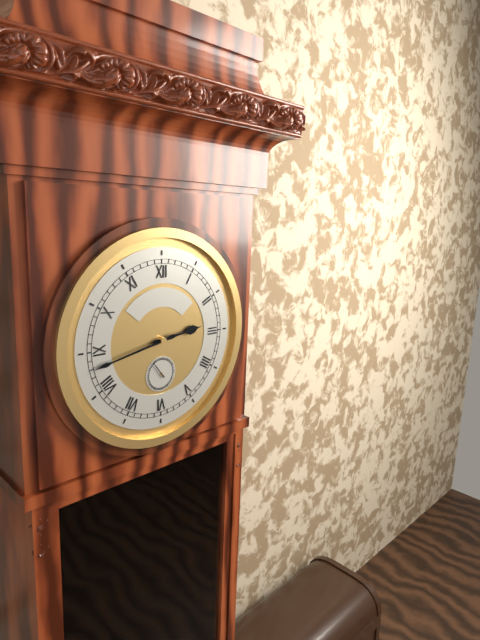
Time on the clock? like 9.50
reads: 2.43
